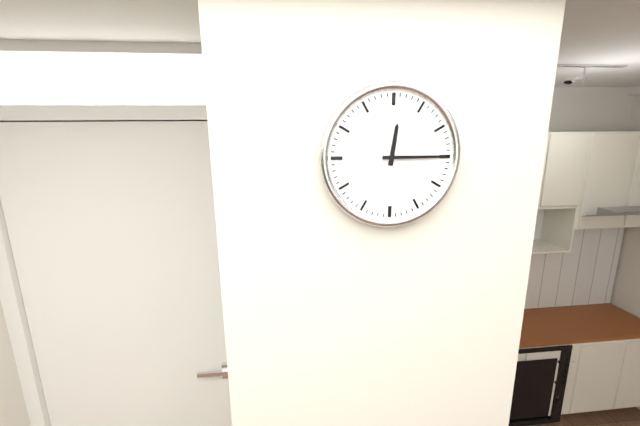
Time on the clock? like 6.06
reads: 12.15
